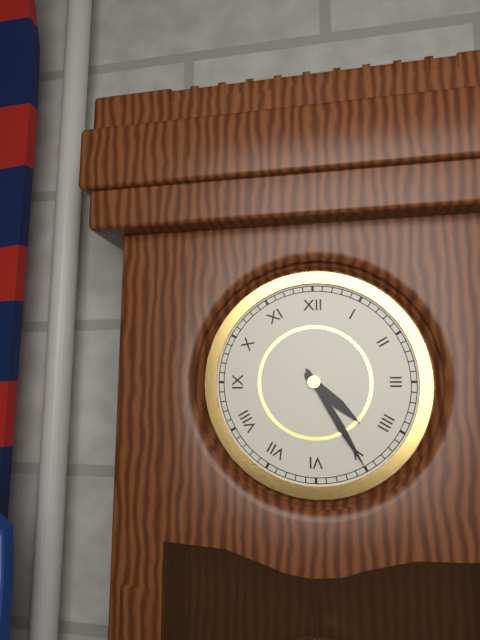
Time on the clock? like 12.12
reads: 4.25
